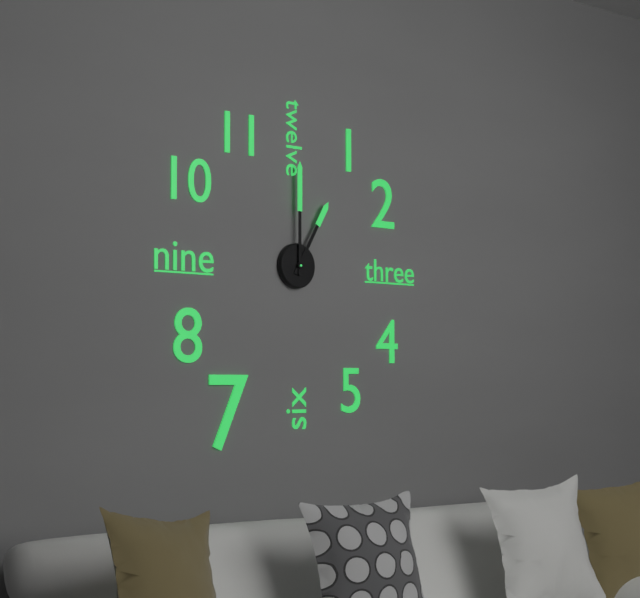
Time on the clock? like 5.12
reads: 1.00
